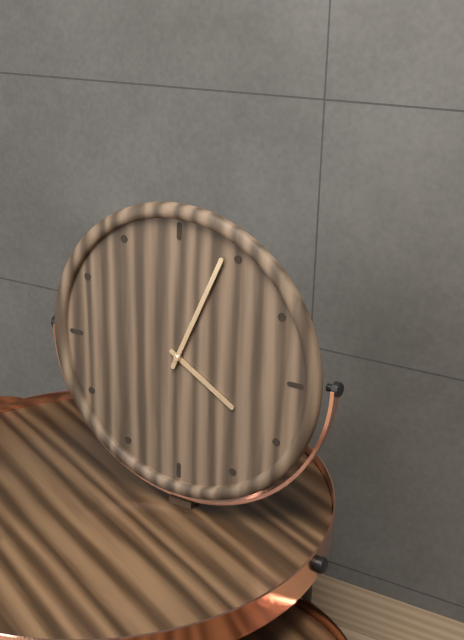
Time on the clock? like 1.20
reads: 4.04
